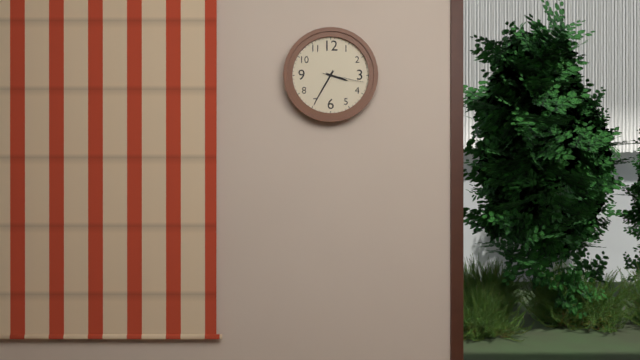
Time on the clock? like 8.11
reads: 3.35
